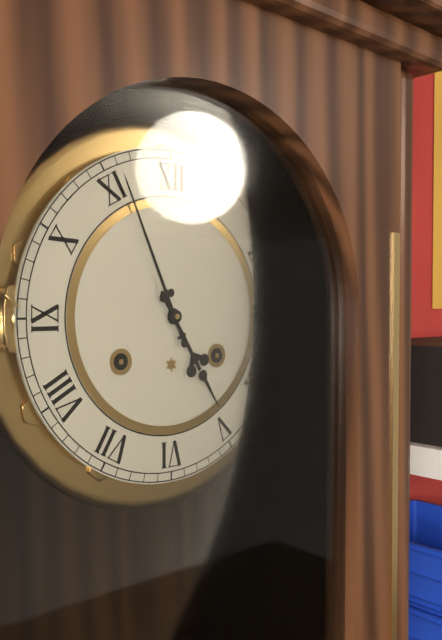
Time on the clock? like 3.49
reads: 4.56
